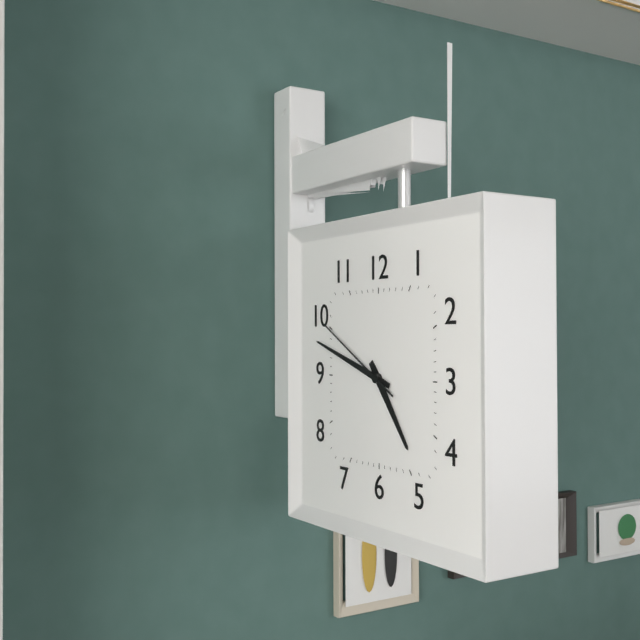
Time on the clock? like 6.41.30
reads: 4.48.50
